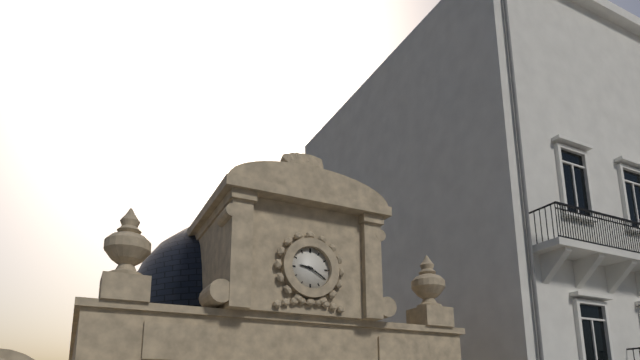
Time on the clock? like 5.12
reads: 9.20
